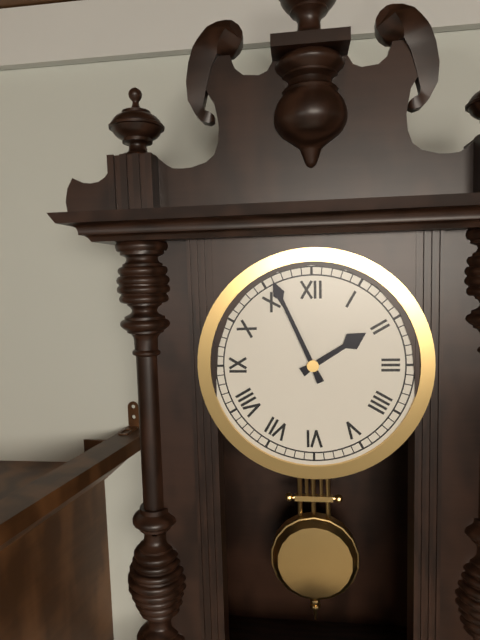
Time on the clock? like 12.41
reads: 1.56
